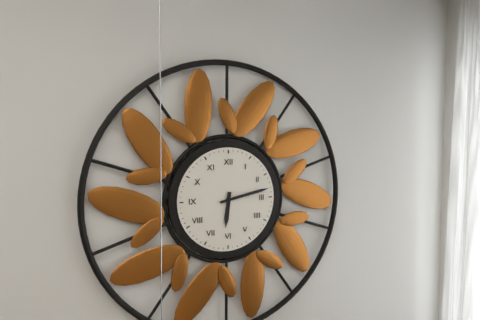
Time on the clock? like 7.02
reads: 6.13
